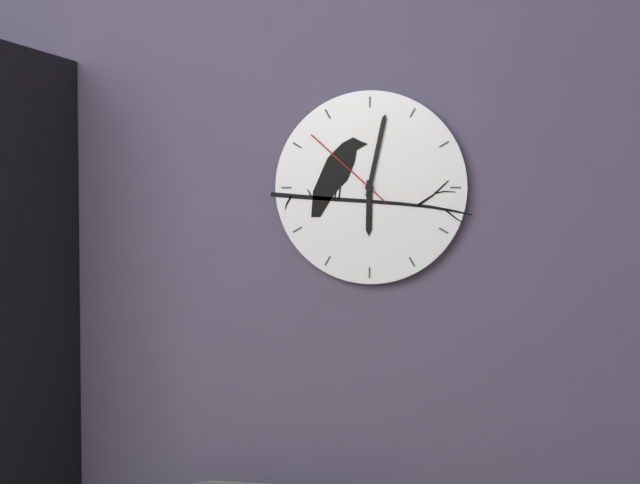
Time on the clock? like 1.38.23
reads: 6.02.52
